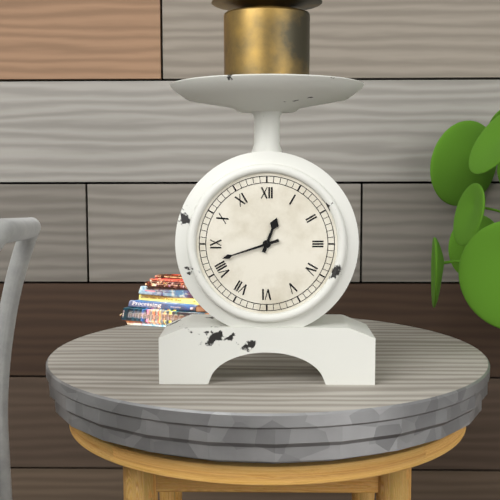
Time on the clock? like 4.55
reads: 12.42
